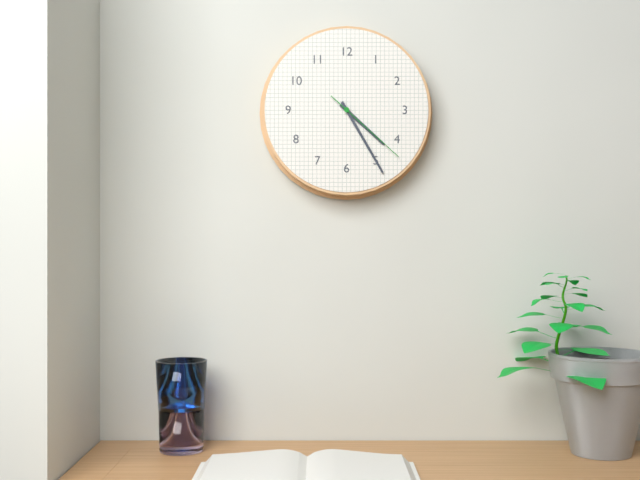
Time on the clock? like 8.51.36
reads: 4.25.22
